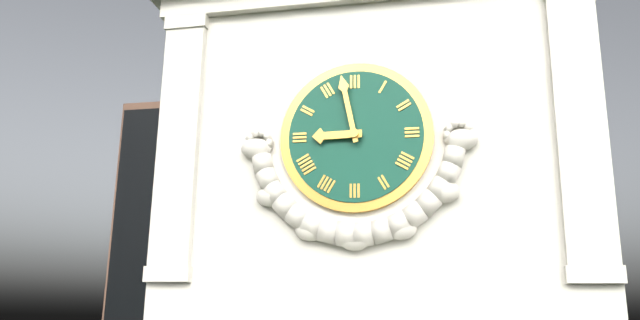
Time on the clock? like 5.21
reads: 8.58
